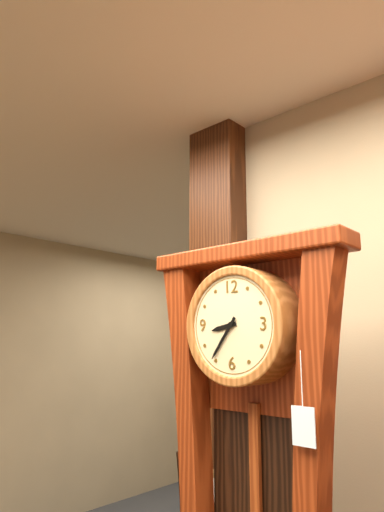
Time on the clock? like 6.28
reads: 8.36
